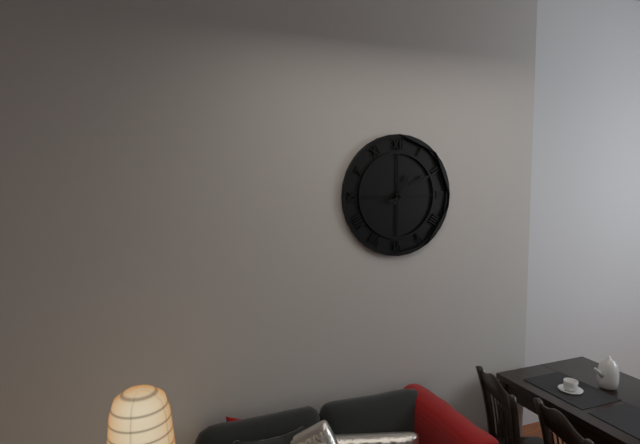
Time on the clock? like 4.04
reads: 1.10
